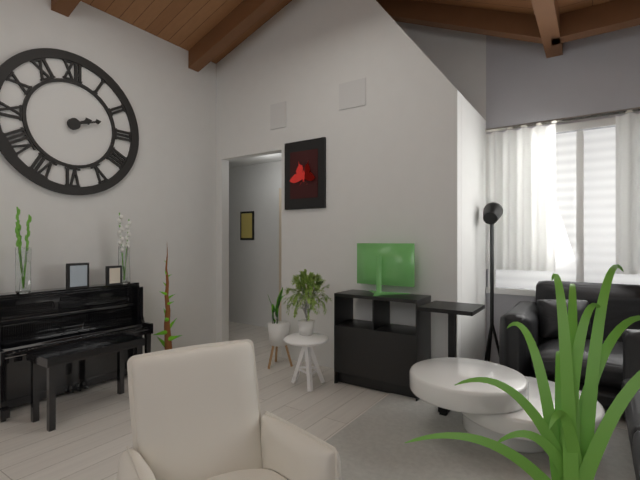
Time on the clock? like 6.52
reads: 2.12
